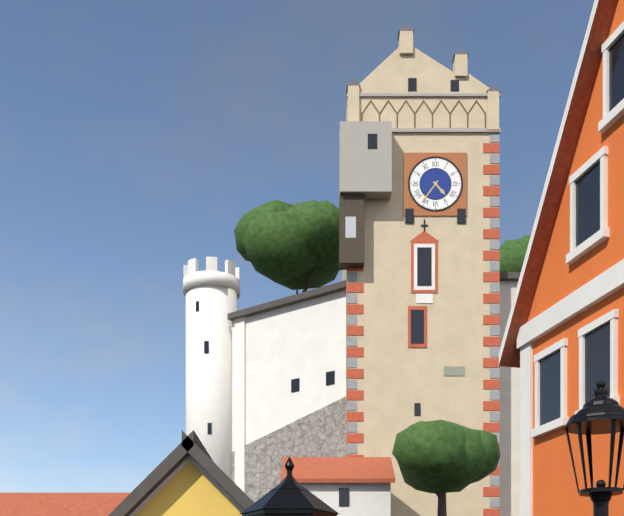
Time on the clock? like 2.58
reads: 4.36
